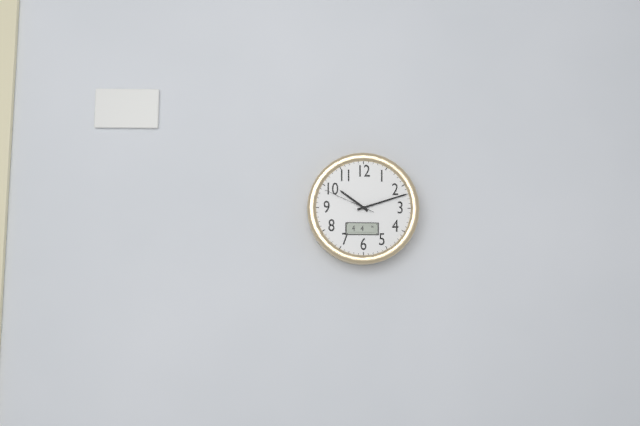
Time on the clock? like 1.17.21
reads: 10.12.49
